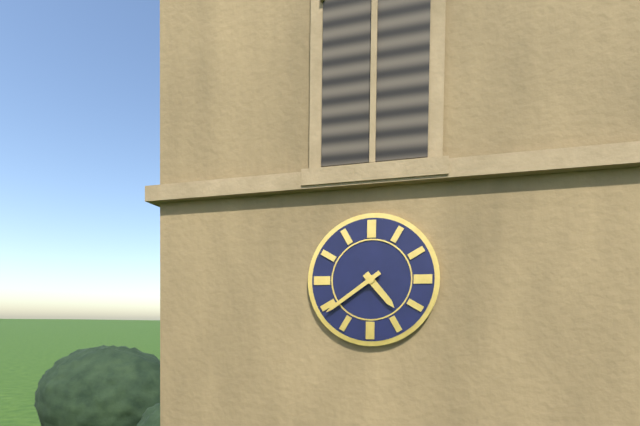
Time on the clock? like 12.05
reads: 4.39
